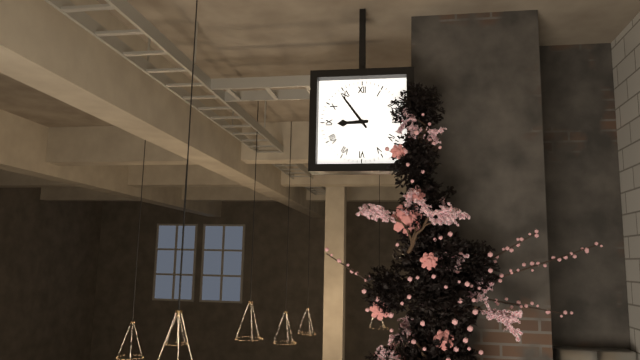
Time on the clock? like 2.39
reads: 8.54
